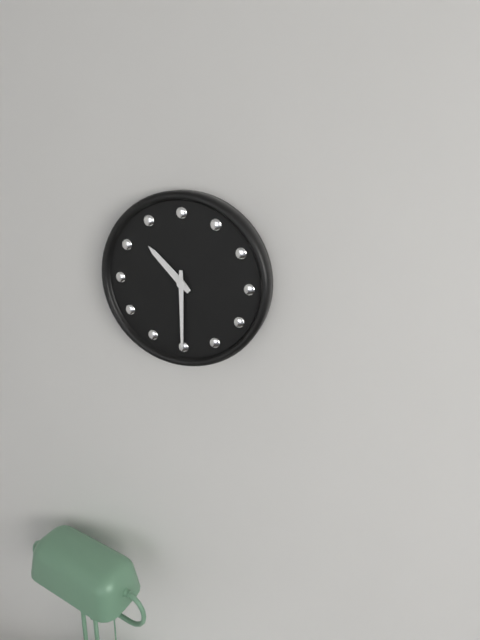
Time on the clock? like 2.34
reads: 10.30
